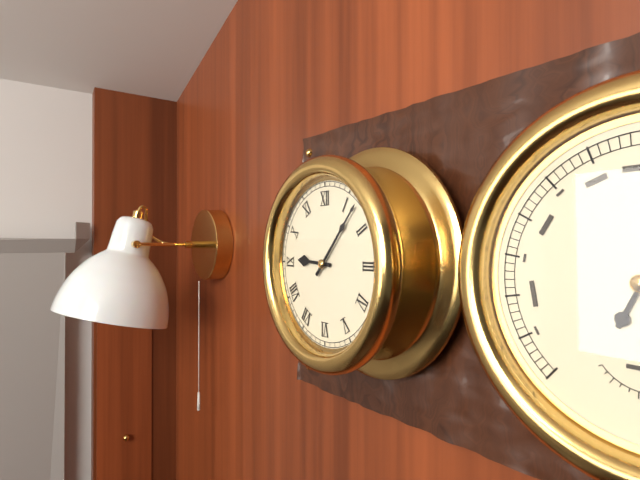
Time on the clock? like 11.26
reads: 9.07
